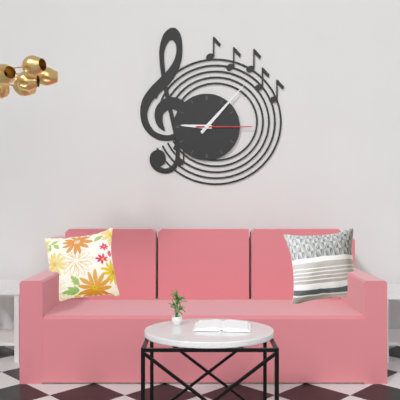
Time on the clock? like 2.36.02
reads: 9.07.15
